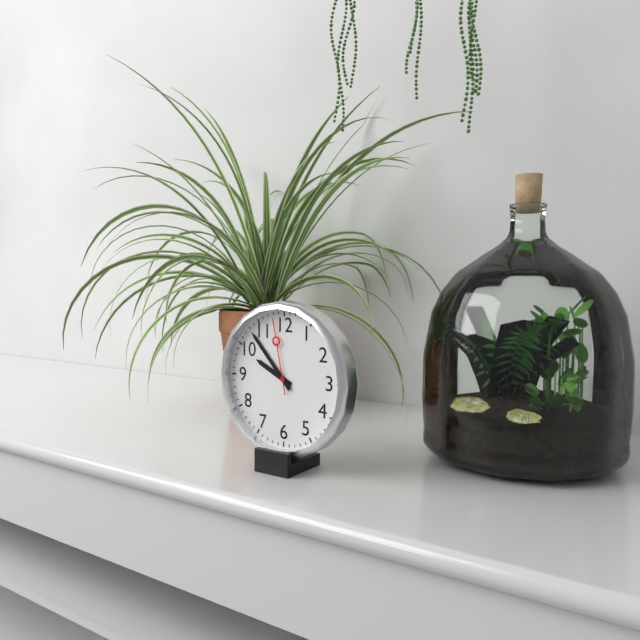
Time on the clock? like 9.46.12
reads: 9.53.58
